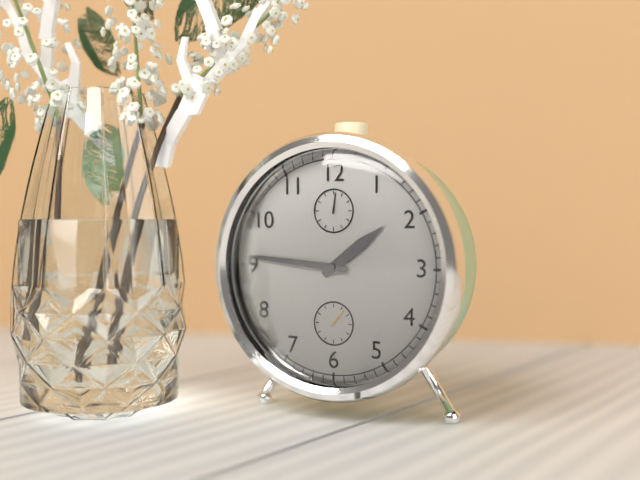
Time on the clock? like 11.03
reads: 1.46
